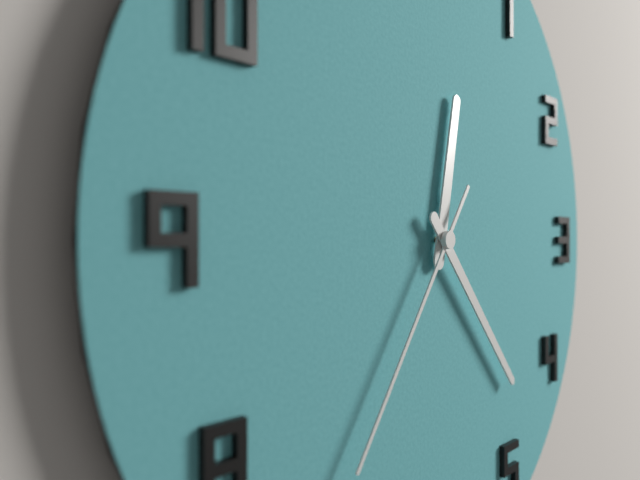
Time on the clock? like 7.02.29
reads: 12.23.36
